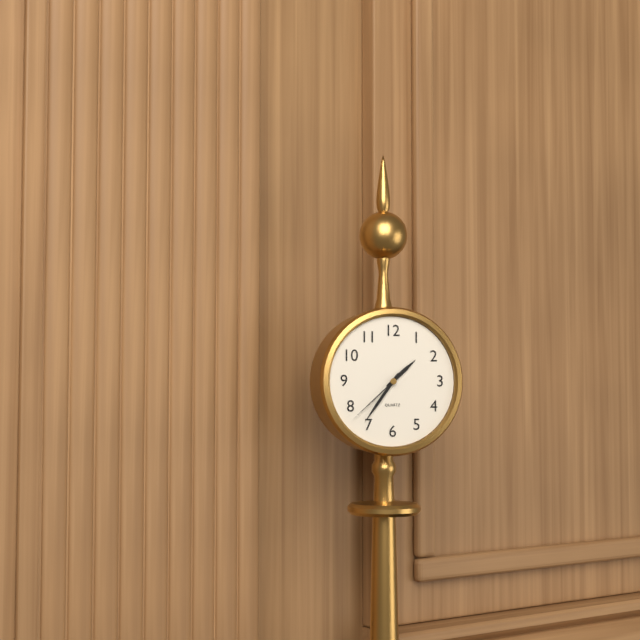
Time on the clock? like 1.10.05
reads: 1.36.38
